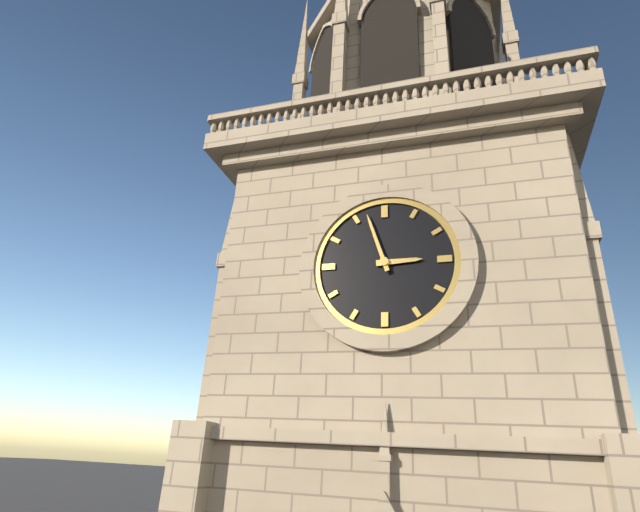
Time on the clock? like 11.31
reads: 2.57
